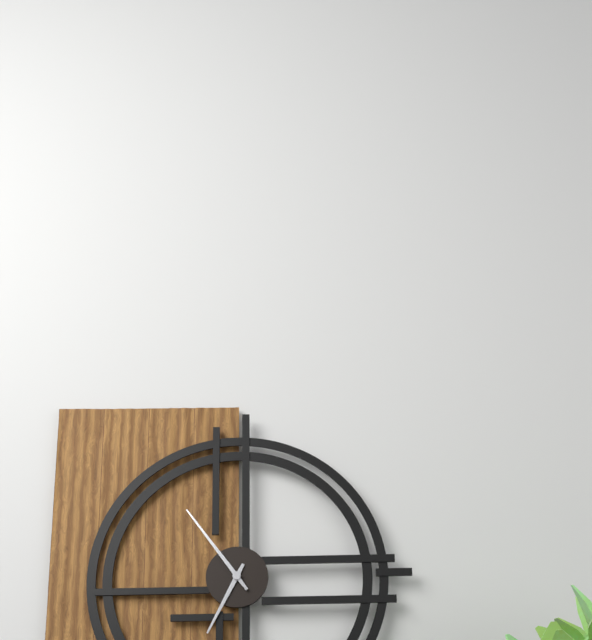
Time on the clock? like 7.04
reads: 6.54
